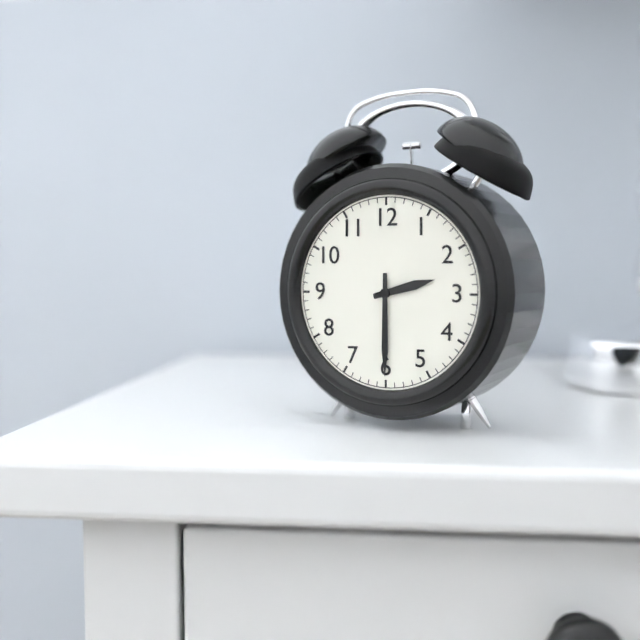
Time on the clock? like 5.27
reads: 2.30
